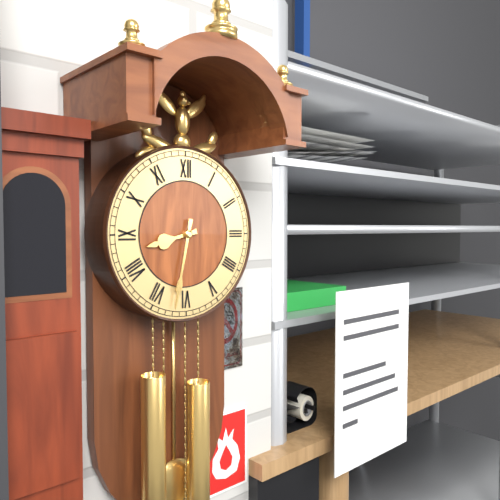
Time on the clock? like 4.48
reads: 8.32
